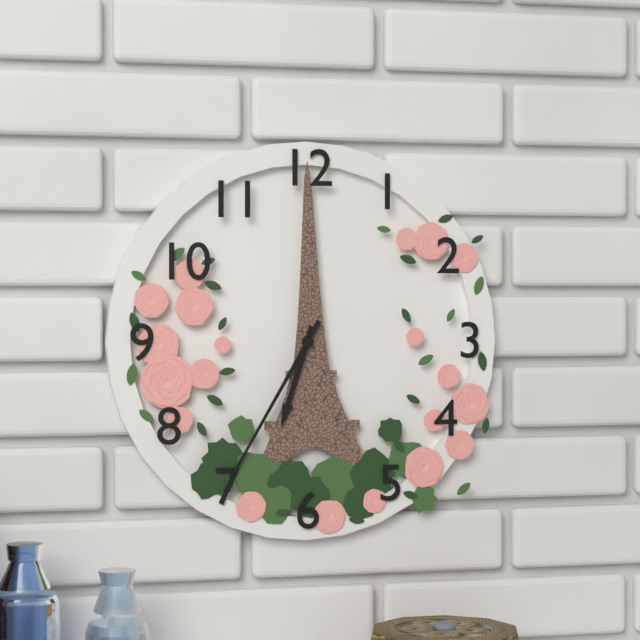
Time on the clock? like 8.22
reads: 6.35
